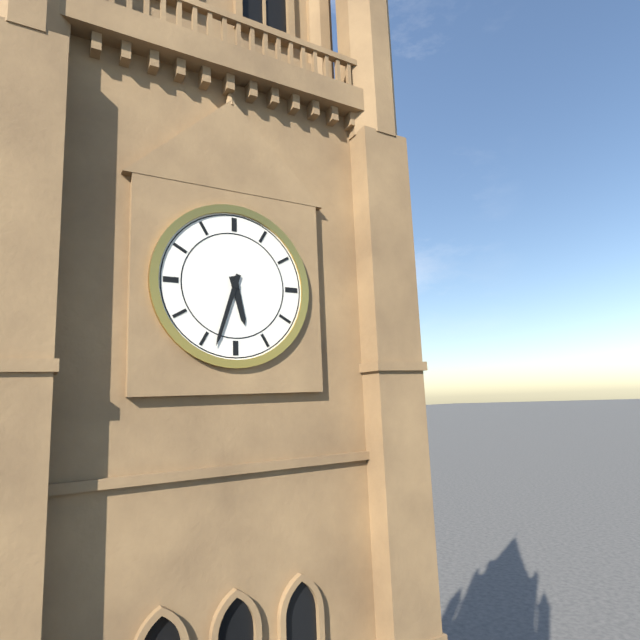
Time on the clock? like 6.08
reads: 5.33
